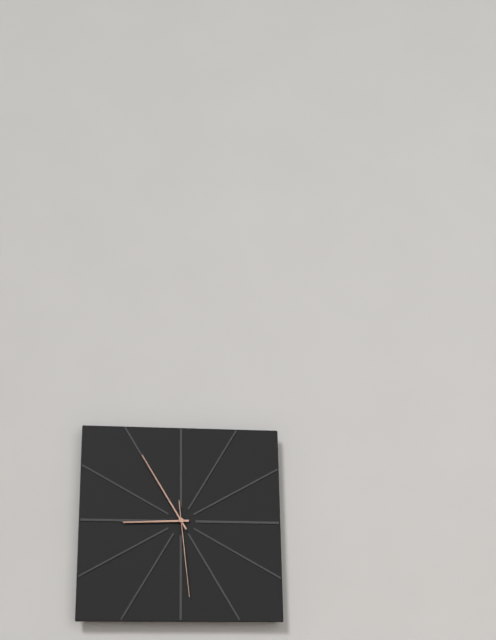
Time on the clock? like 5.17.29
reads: 8.55.29
